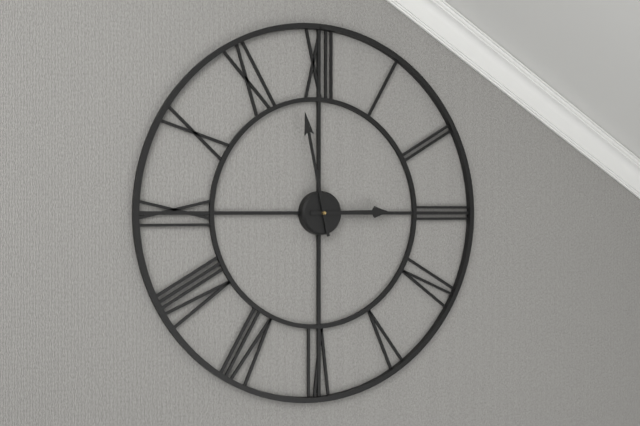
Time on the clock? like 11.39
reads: 2.58
